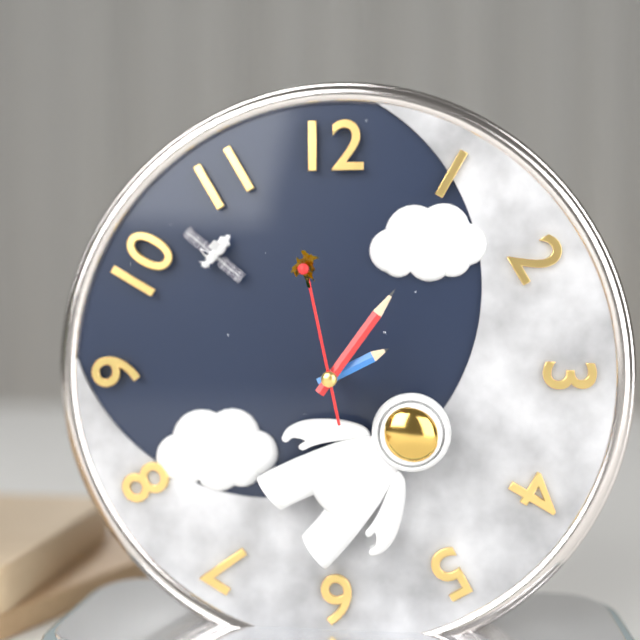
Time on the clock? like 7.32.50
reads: 2.06.58
